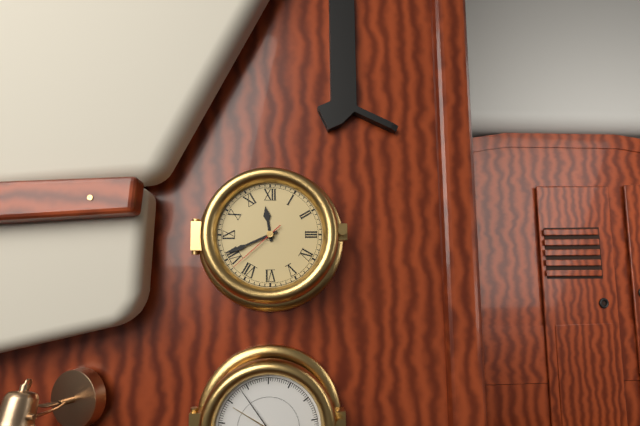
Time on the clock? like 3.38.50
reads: 11.41.38
